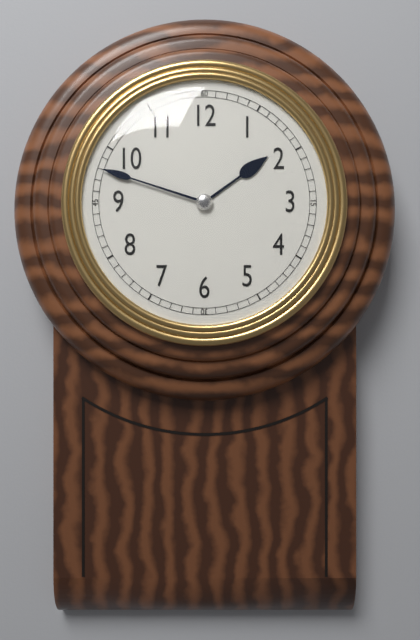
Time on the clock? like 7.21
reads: 1.48
